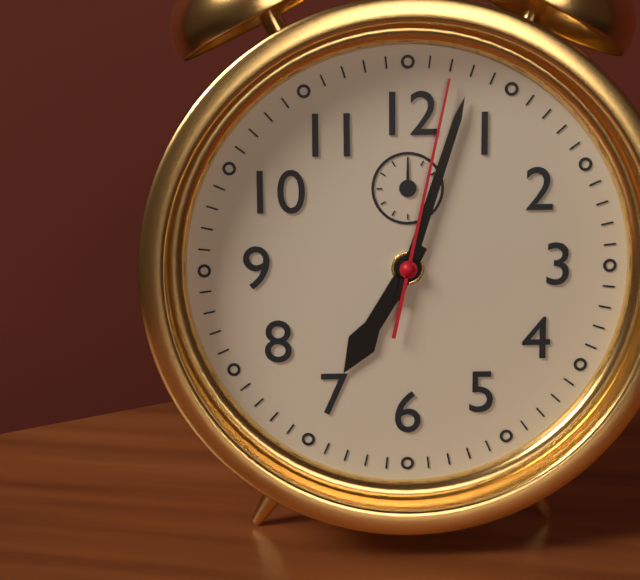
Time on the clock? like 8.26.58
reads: 7.03.02
